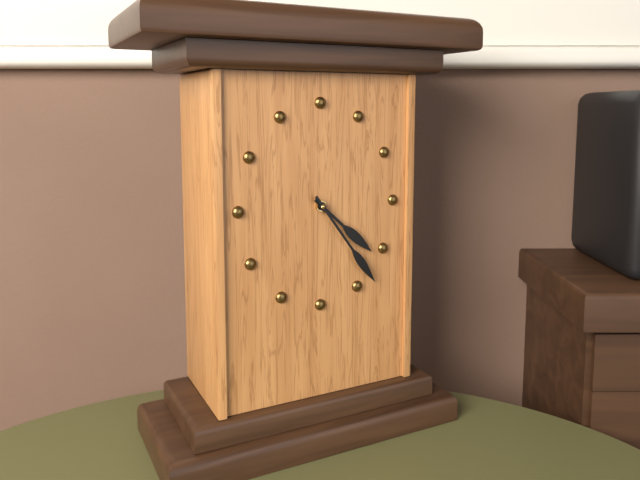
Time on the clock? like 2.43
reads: 4.24
